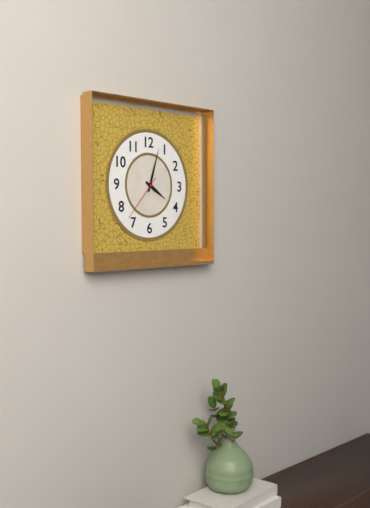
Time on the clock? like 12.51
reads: 4.03
